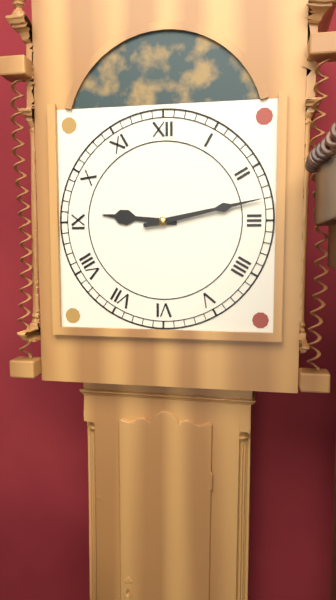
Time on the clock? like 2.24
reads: 9.13
